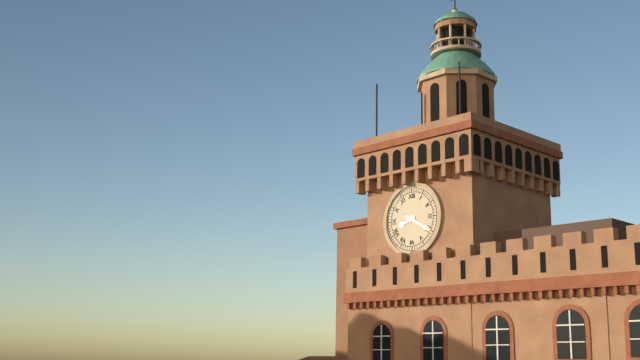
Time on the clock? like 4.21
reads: 8.20
